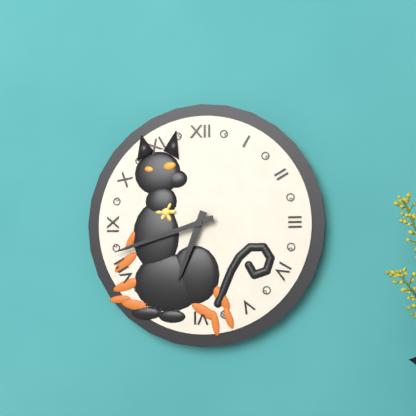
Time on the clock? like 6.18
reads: 6.42
